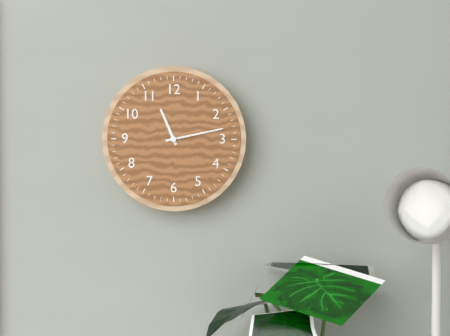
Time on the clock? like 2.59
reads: 11.13
